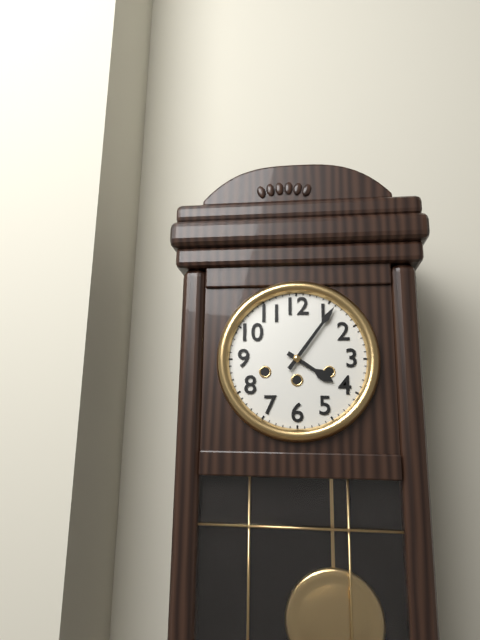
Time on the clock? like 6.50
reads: 4.06
